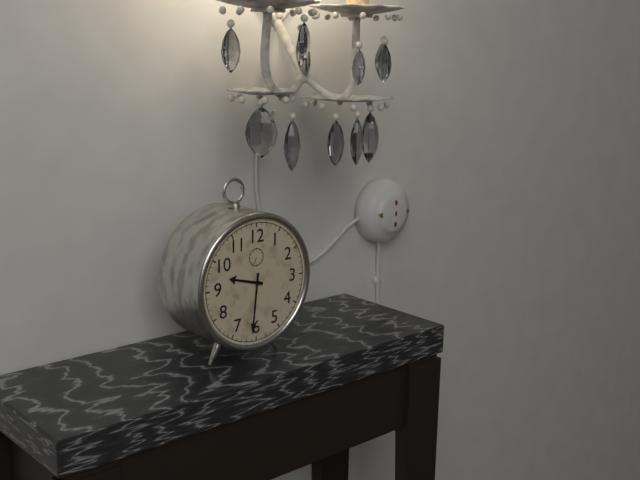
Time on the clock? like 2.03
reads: 9.31
